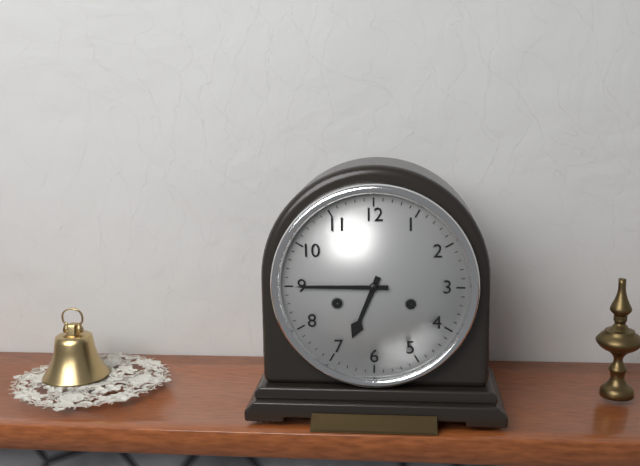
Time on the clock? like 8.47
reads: 6.45
